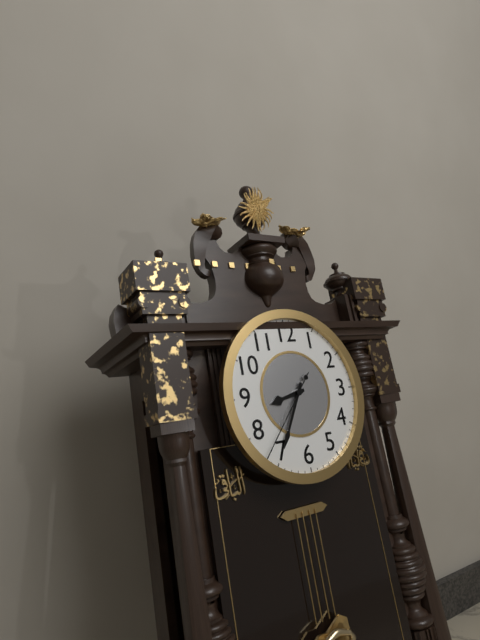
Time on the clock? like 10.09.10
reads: 8.35.37
